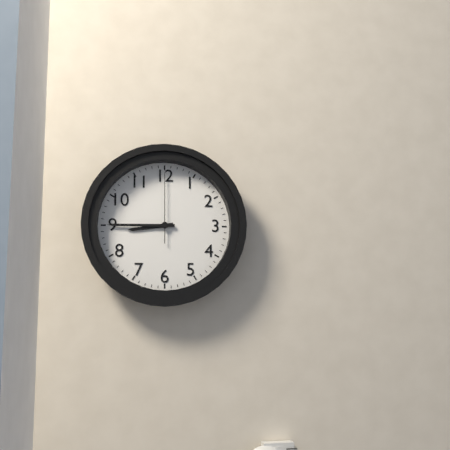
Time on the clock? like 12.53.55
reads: 8.45.00
